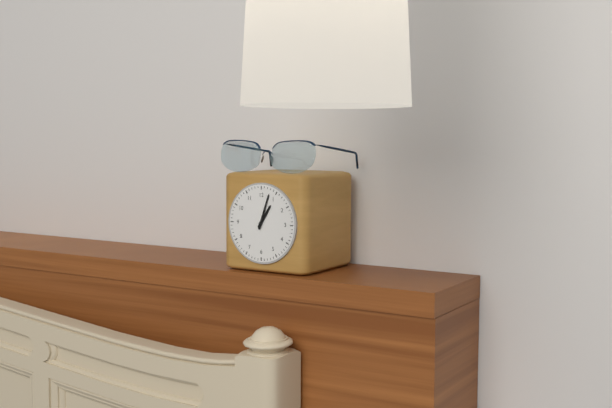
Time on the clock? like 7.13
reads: 1.03
